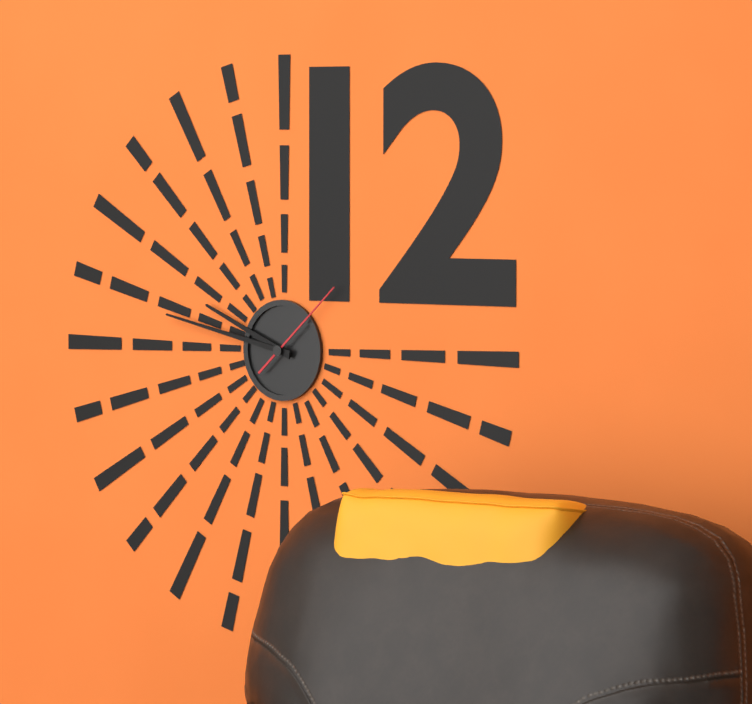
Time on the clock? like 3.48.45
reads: 9.47.08
